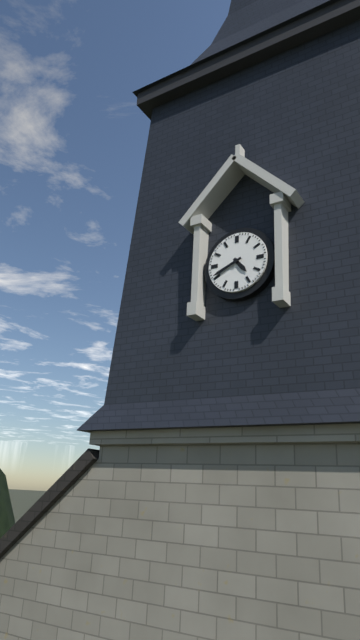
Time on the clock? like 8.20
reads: 4.41
